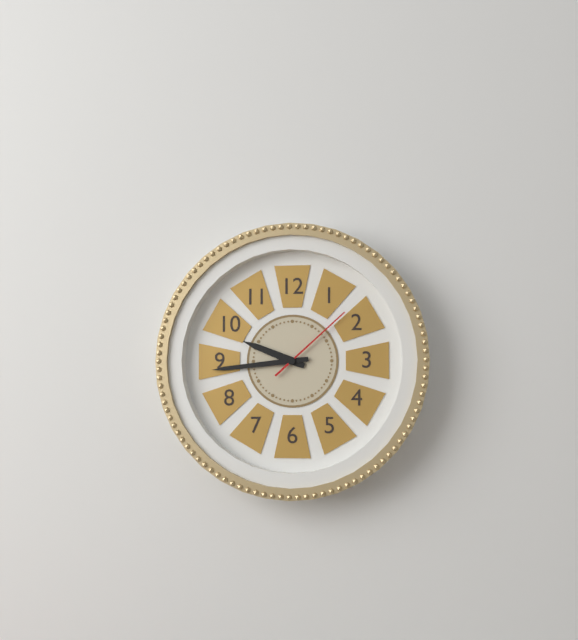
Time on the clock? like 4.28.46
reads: 9.44.08
